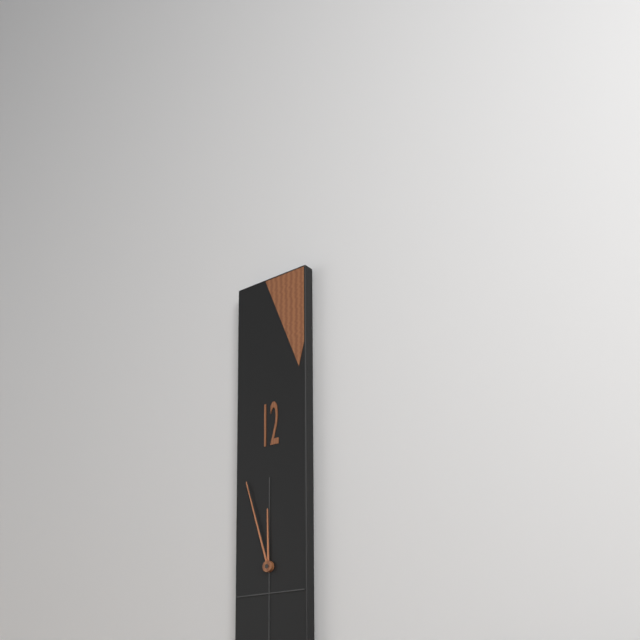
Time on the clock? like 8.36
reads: 11.57
